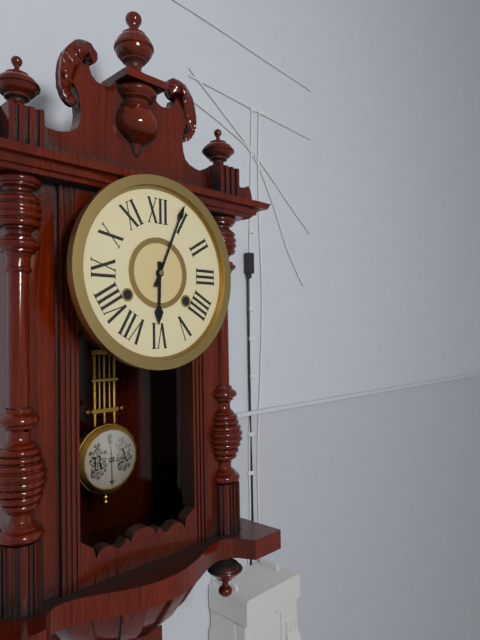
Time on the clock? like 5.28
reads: 6.04
